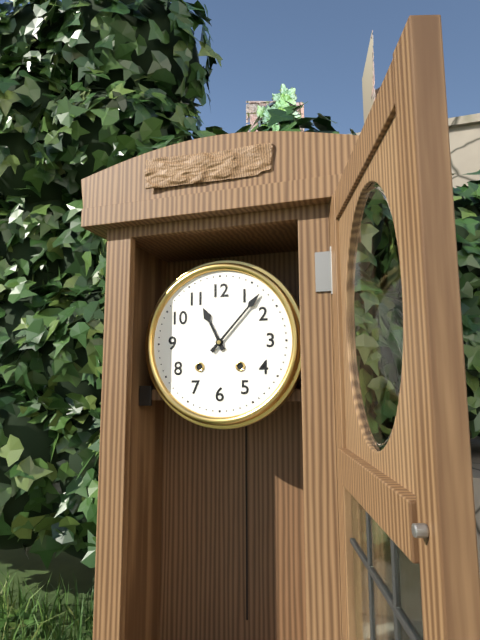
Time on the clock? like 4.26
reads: 11.07
